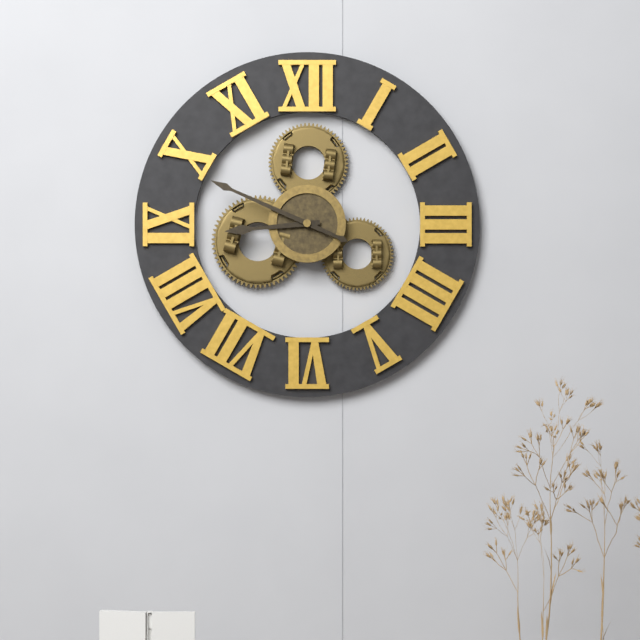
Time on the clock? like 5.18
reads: 8.49
